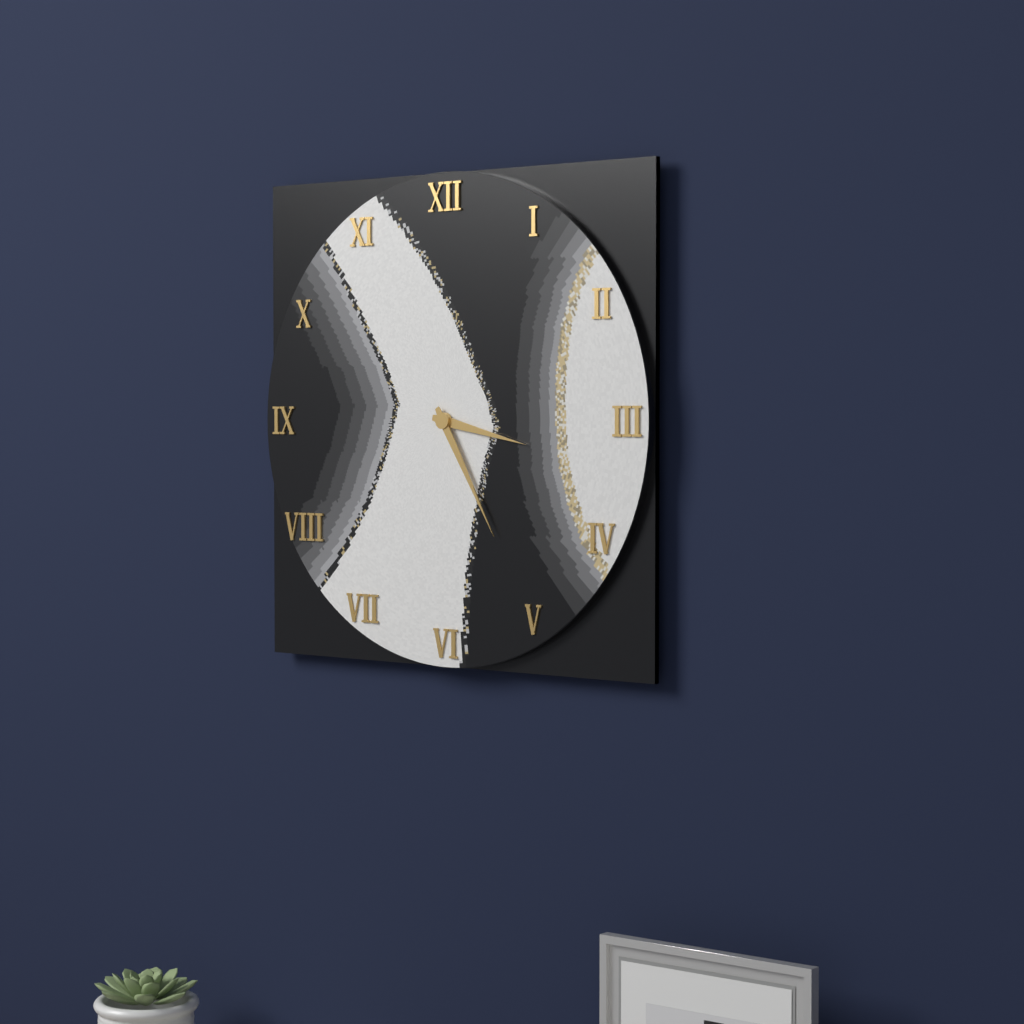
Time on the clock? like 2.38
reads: 3.25
